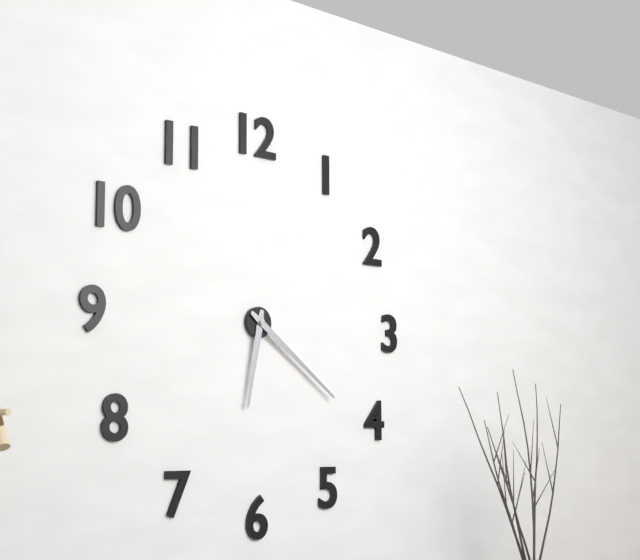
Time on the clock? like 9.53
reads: 6.21
